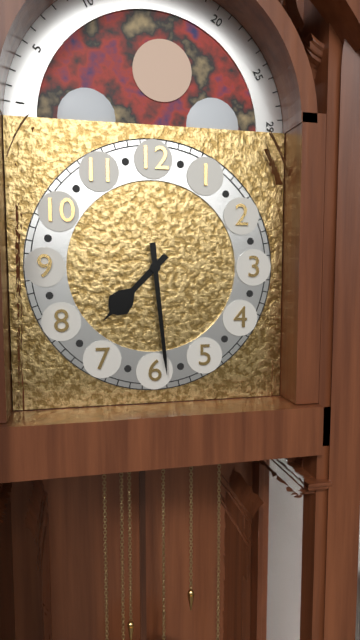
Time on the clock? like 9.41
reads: 7.29
